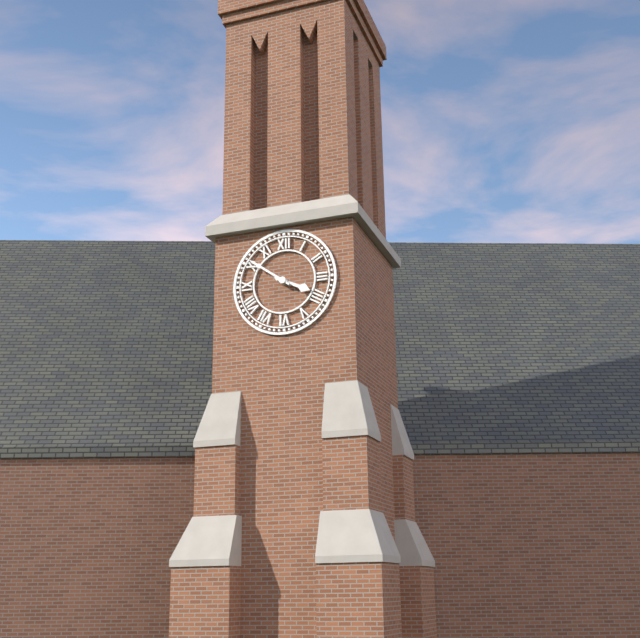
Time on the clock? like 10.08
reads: 3.51
